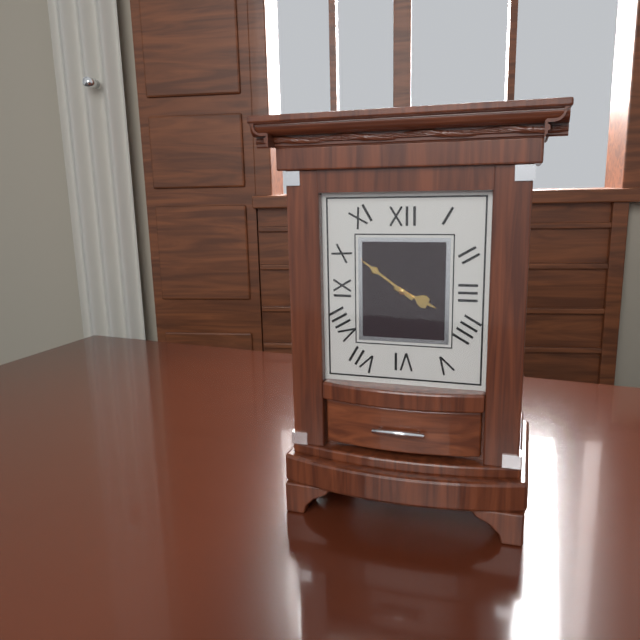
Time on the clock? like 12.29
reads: 3.51
